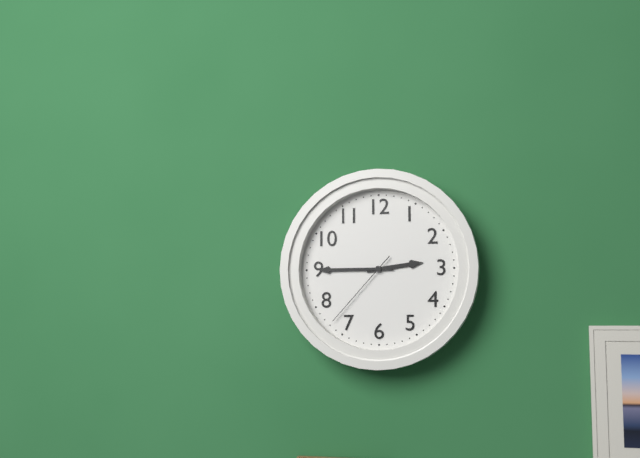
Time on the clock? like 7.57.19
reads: 2.45.37
